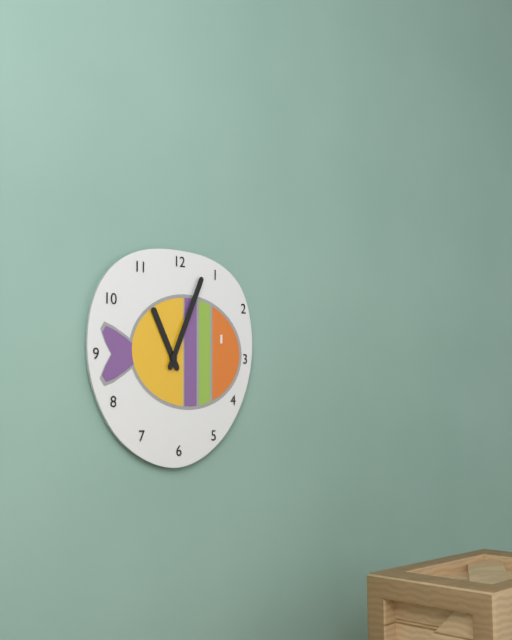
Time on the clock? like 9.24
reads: 11.04
